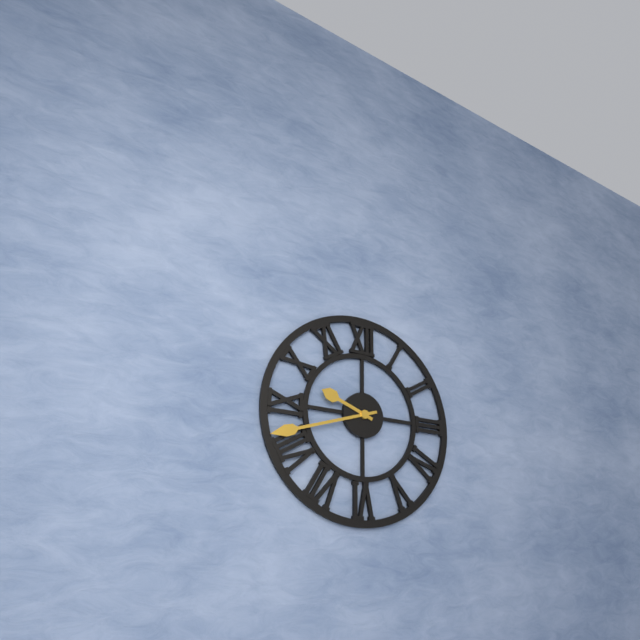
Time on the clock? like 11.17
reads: 9.42
